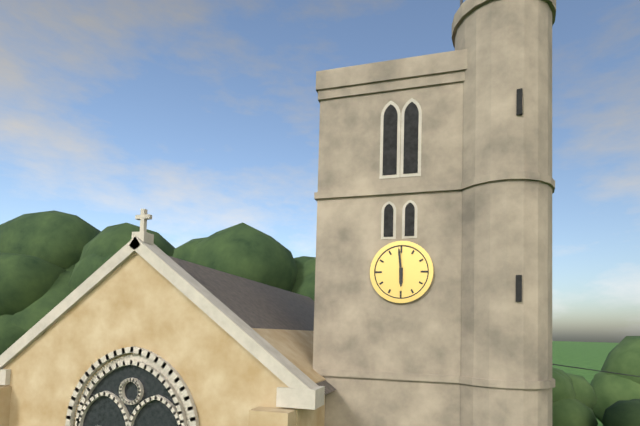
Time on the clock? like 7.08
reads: 5.59
